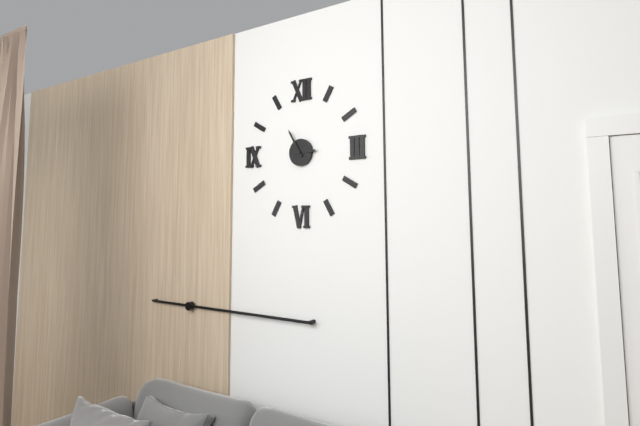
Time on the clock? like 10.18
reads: 2.55
